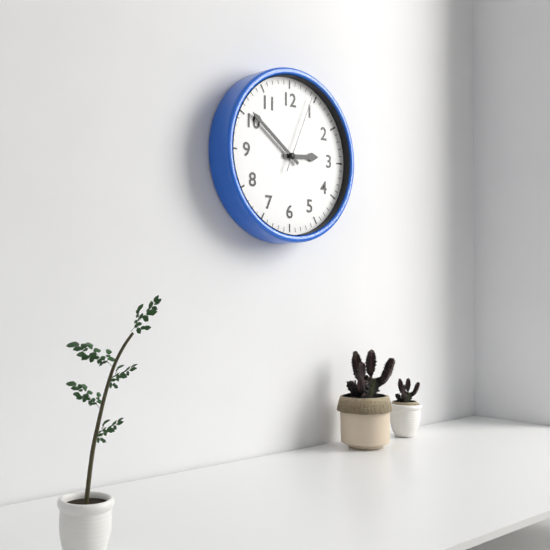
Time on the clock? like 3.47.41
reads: 2.51.04
